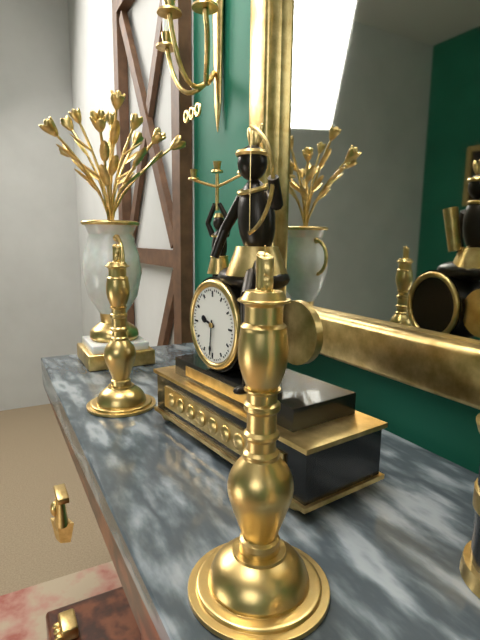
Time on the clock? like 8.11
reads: 9.31
